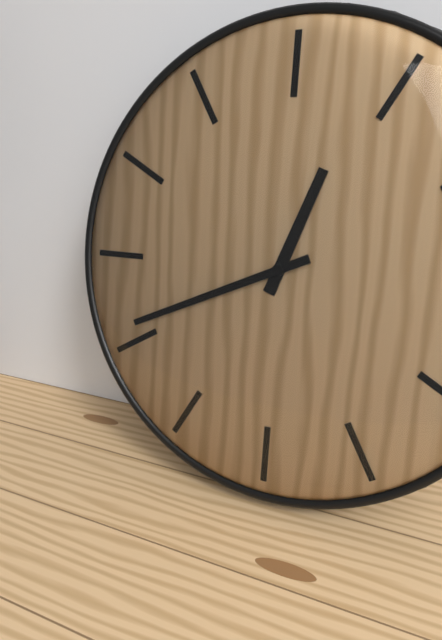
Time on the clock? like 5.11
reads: 12.41
